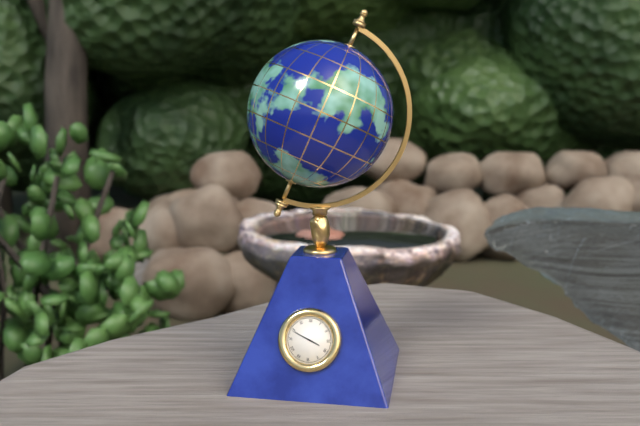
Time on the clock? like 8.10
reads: 3.49
